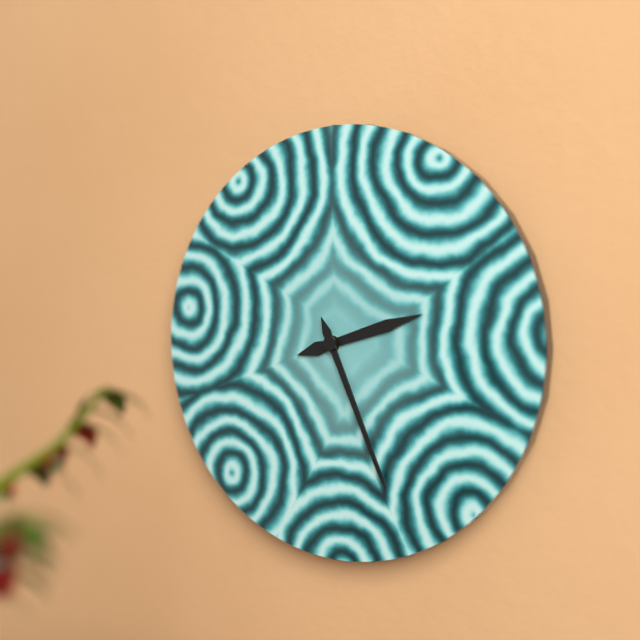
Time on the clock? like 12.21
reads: 2.26
